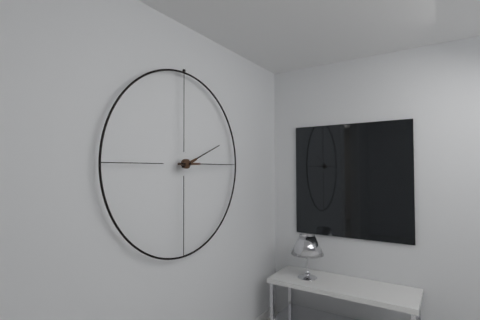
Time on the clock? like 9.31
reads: 2.15
